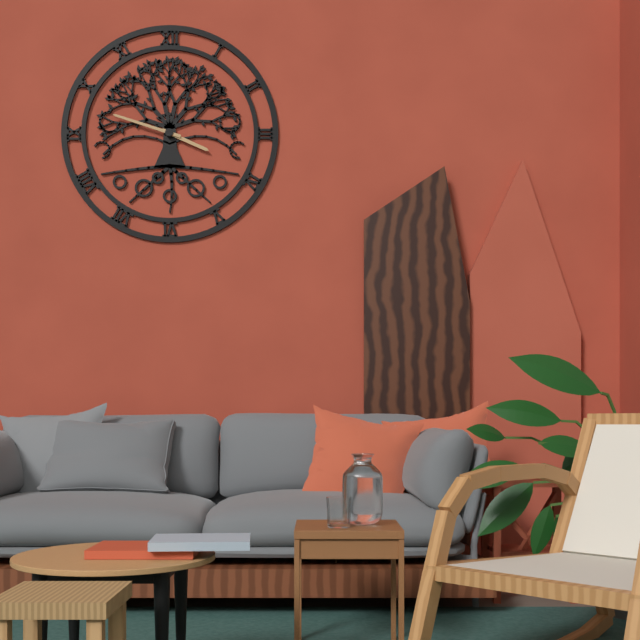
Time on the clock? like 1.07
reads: 3.48
